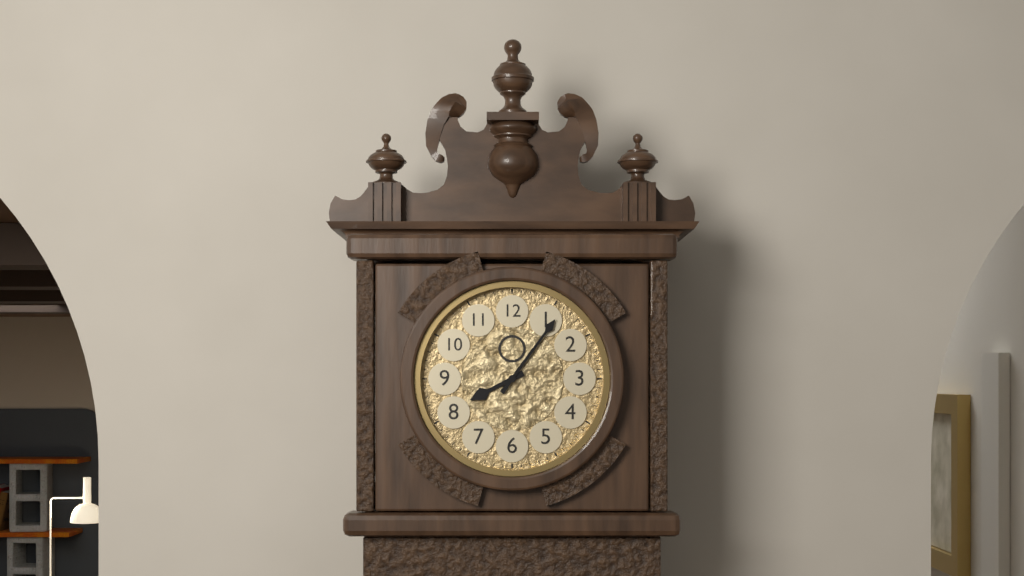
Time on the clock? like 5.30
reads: 8.06
